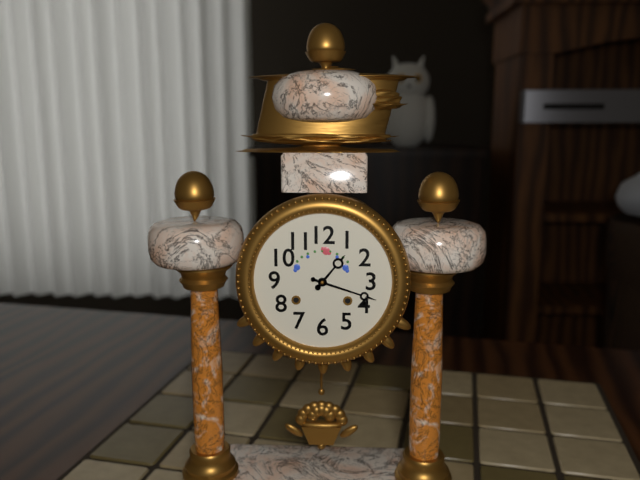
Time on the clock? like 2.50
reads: 1.18
